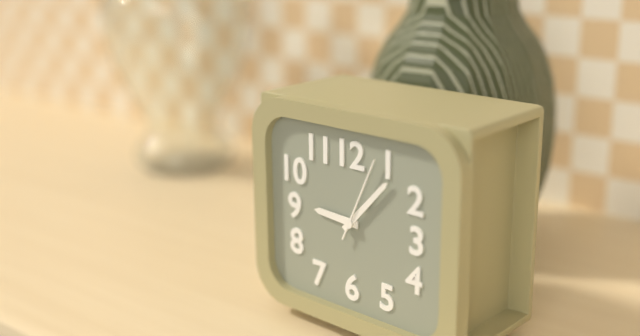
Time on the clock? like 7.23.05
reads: 9.07.04
